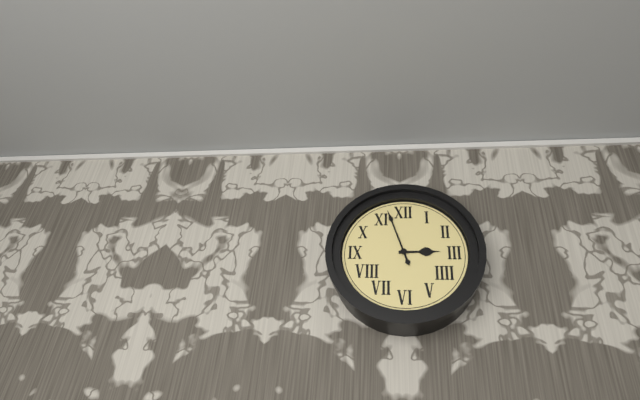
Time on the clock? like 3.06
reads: 2.57
